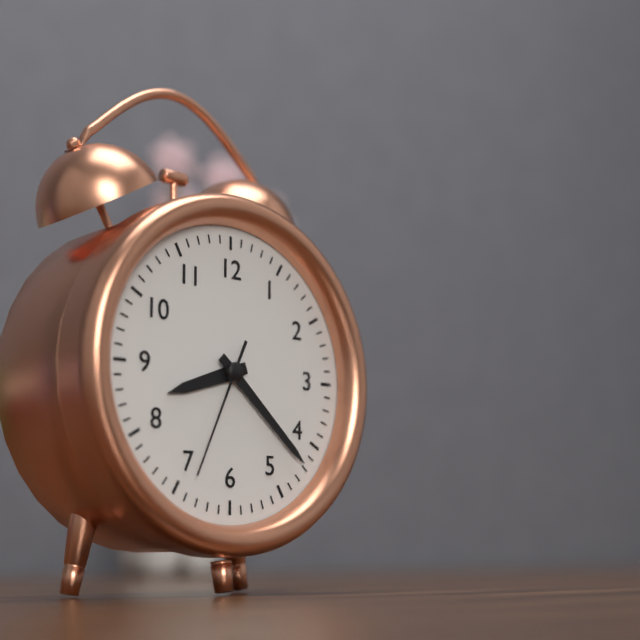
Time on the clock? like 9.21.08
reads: 8.22.34
